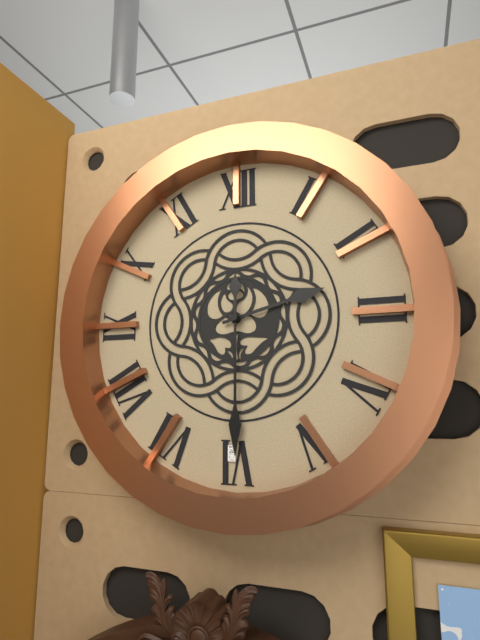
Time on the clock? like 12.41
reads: 2.30
